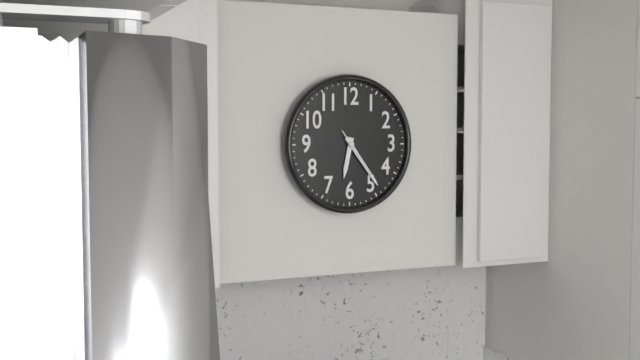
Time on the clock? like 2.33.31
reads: 6.24.24
